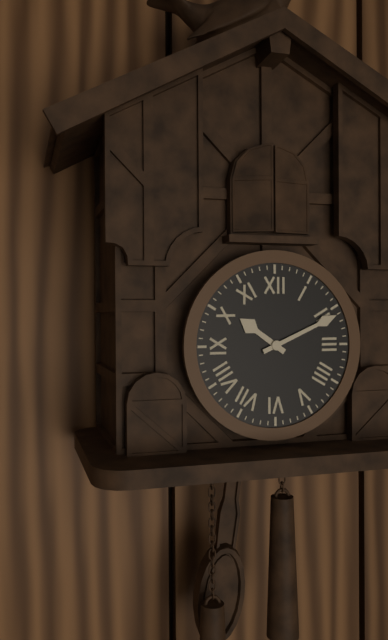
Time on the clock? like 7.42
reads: 10.11
